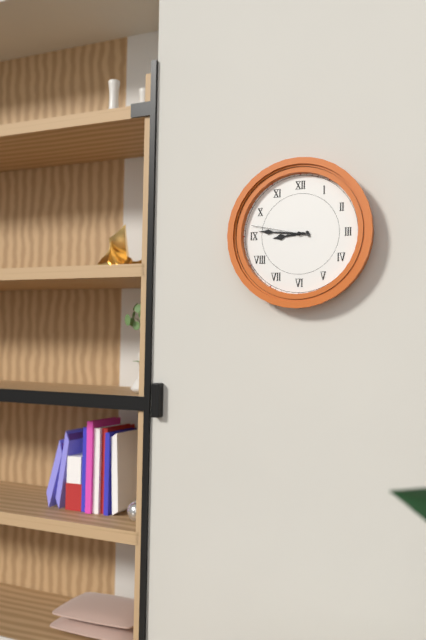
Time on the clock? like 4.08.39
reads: 8.46.47
